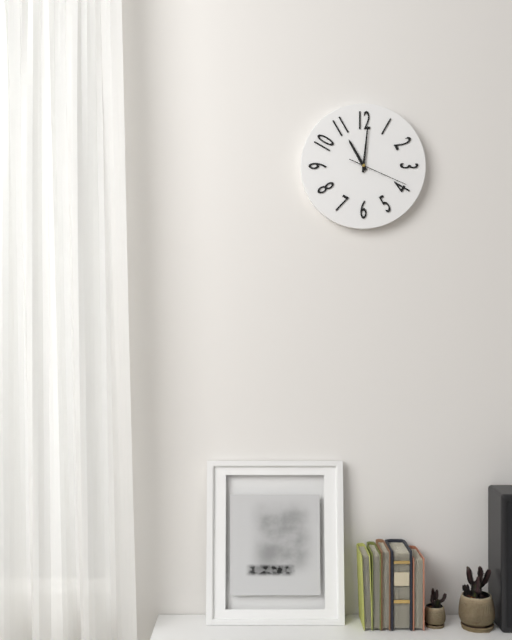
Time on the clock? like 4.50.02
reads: 11.01.19
